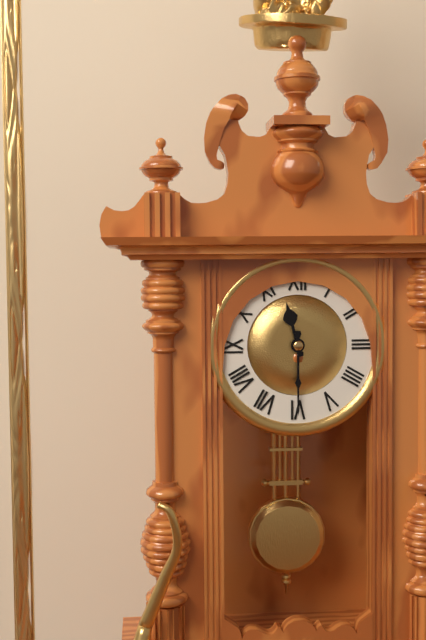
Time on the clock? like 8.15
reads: 11.30
